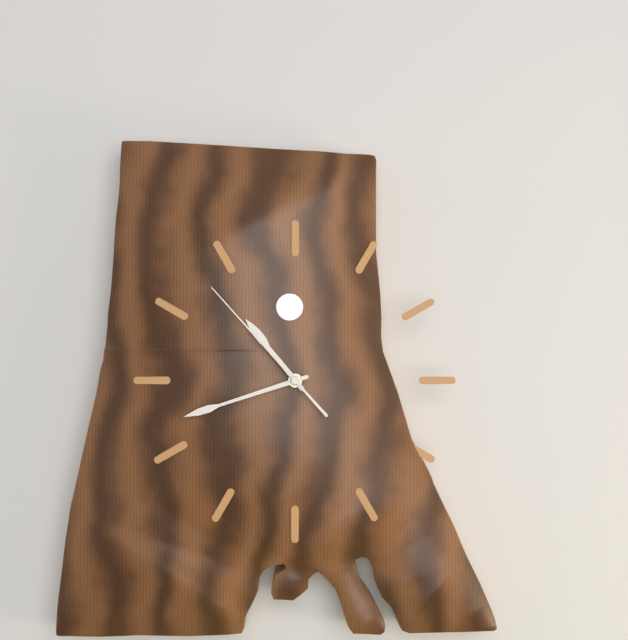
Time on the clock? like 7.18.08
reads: 10.42.53
